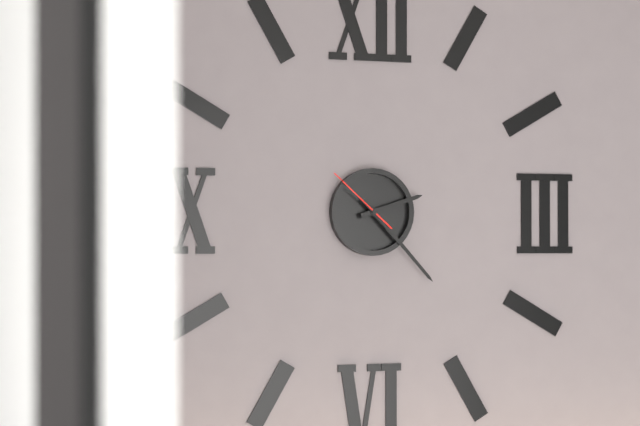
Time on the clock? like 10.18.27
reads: 2.23.52
